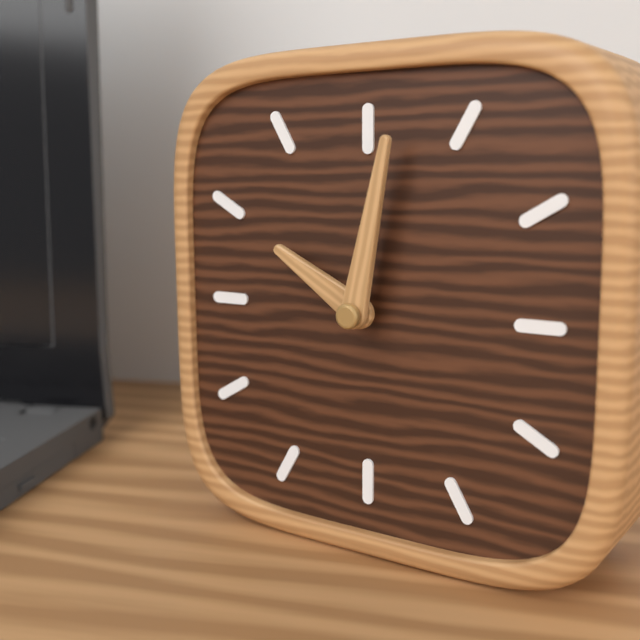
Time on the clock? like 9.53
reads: 10.02
